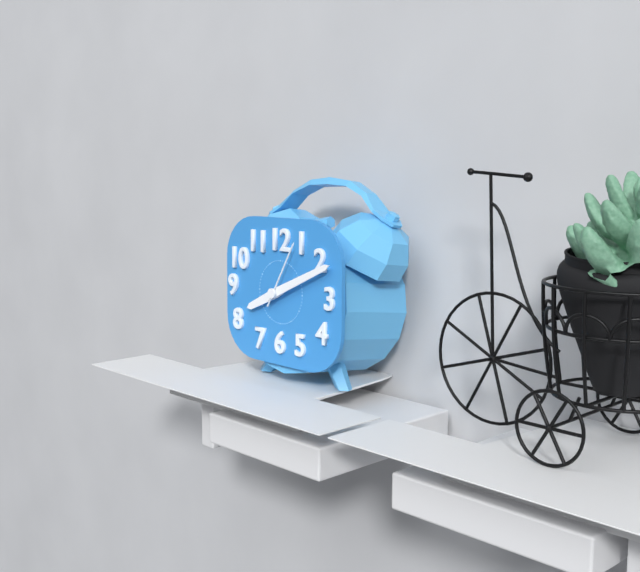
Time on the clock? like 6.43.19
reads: 8.11.05
